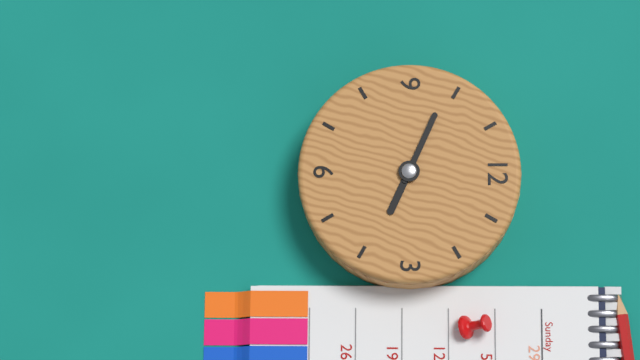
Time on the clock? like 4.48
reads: 3.49
